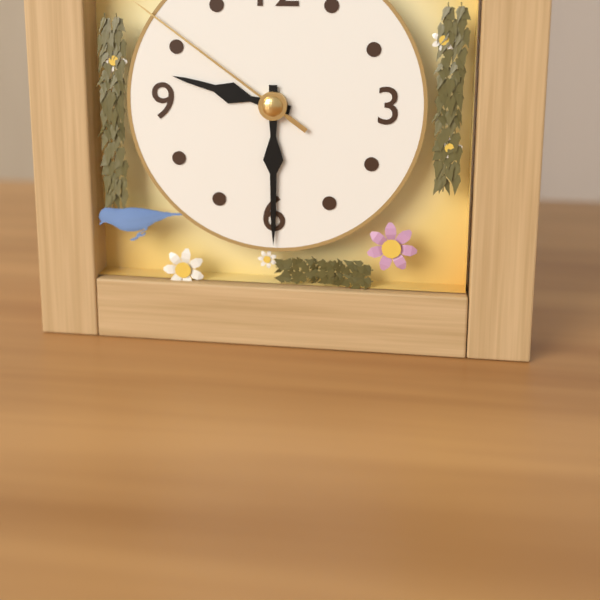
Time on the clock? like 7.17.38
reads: 9.30.51
